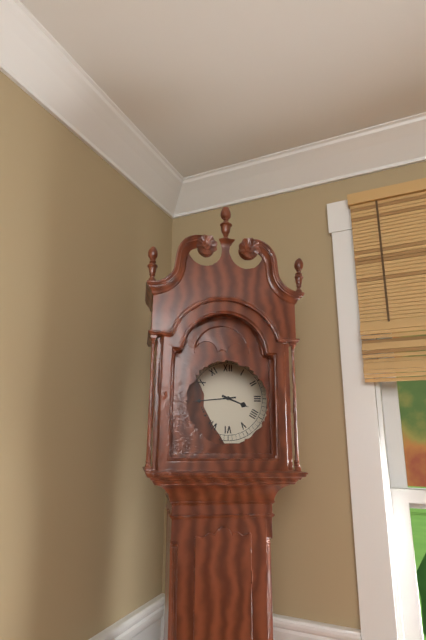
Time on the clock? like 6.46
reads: 3.44
